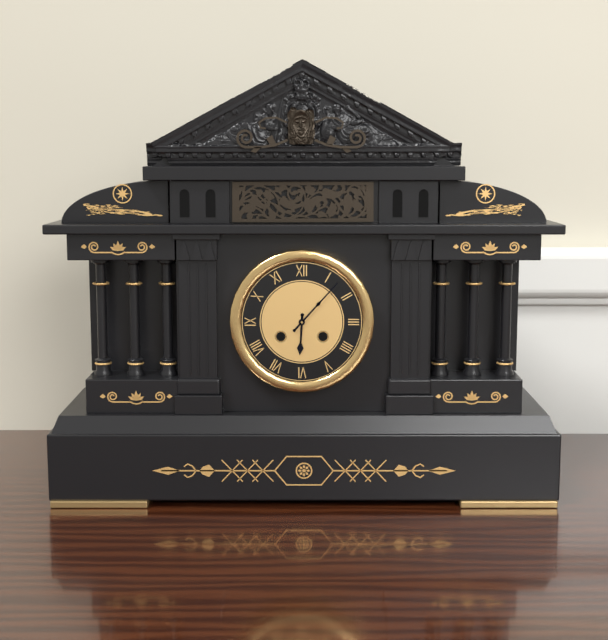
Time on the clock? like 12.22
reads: 6.07
